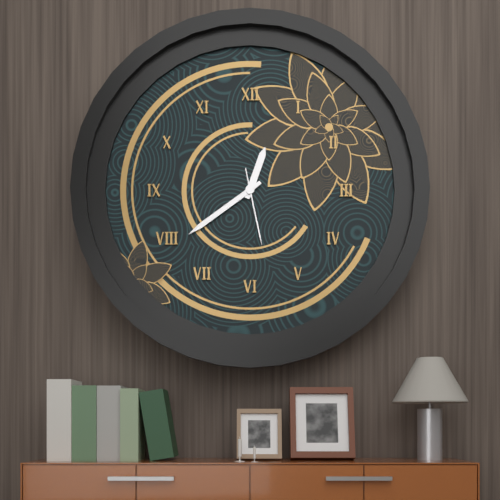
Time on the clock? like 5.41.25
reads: 12.39.28
